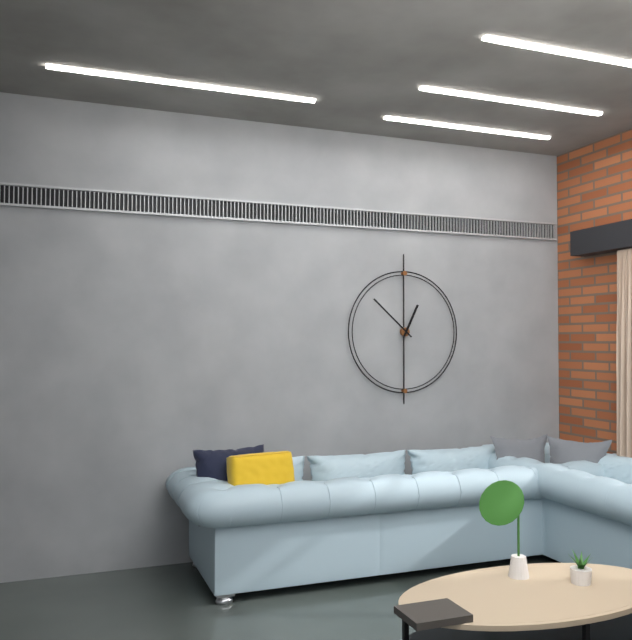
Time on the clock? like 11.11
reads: 12.52
